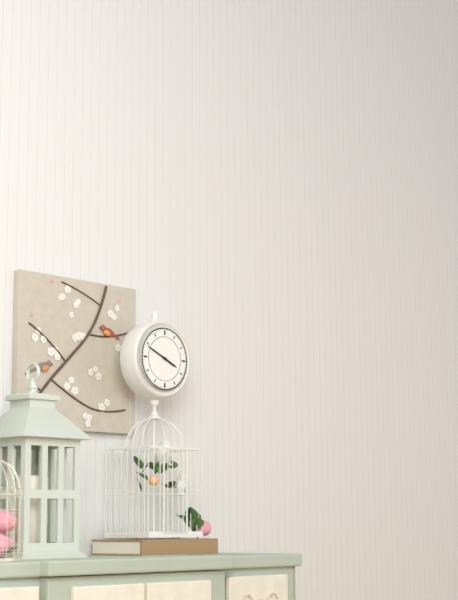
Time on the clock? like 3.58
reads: 3.49
